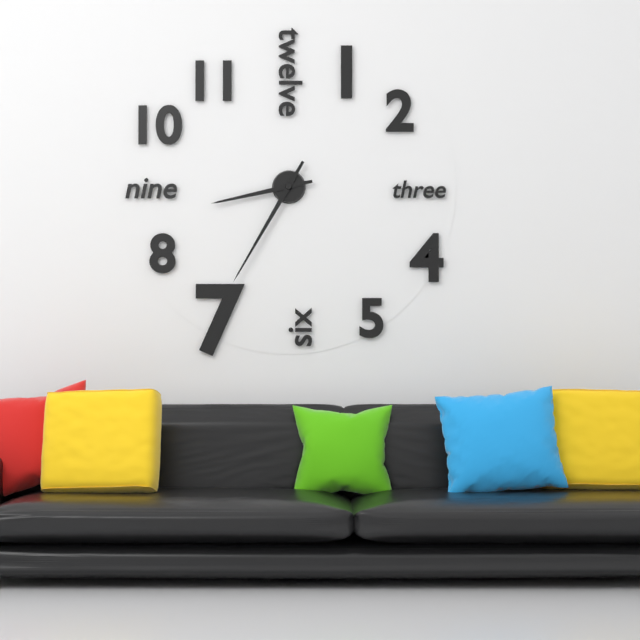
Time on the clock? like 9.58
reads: 8.35
